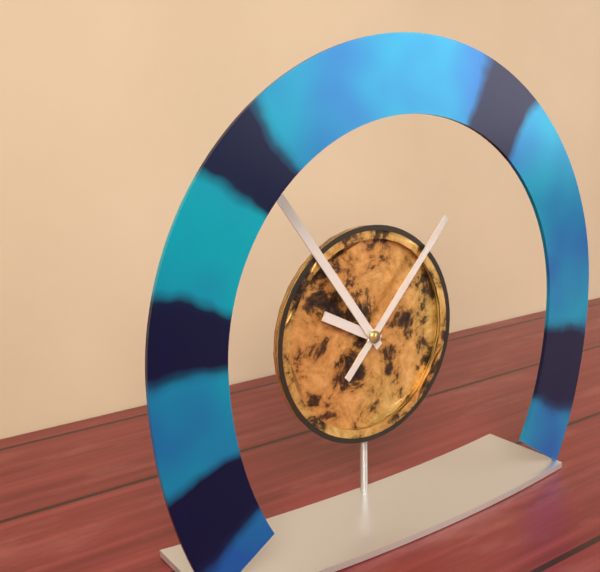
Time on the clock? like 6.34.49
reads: 9.54.07
